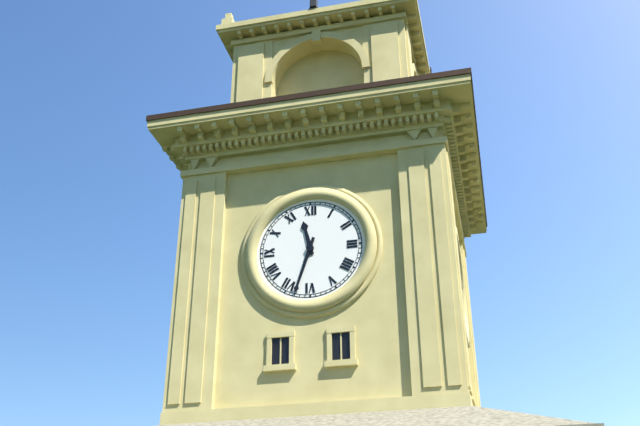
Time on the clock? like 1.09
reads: 11.33
